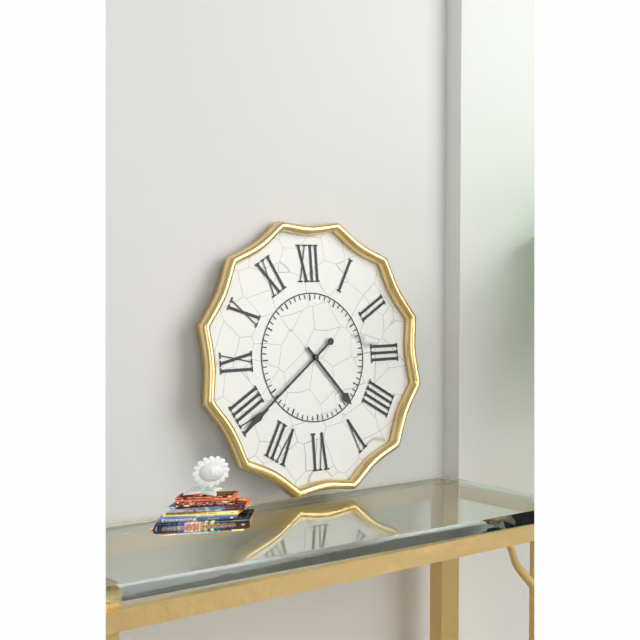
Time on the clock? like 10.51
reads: 4.39
